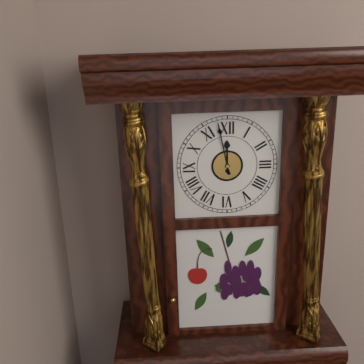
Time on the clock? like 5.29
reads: 11.58
